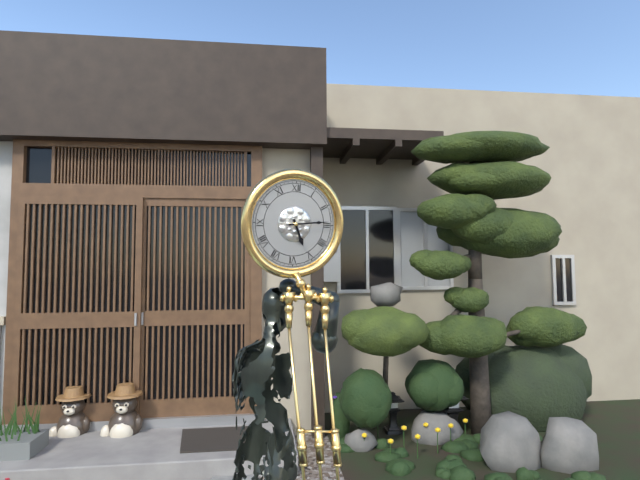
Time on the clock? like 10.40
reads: 5.14
